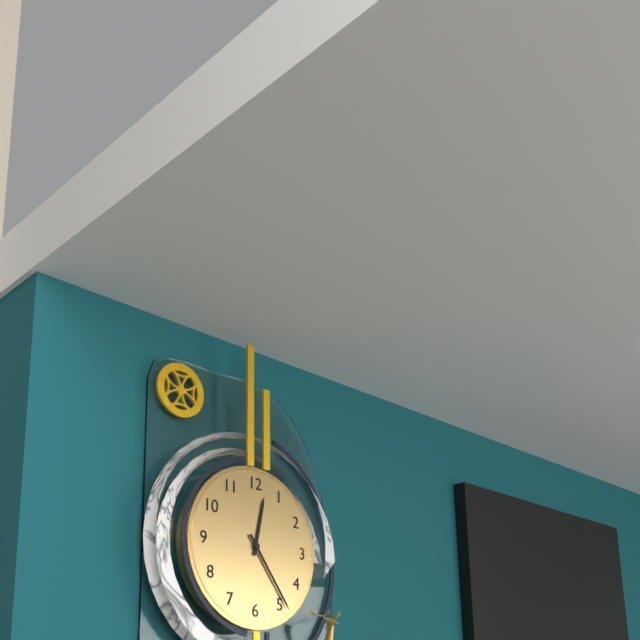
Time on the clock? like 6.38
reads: 12.24
